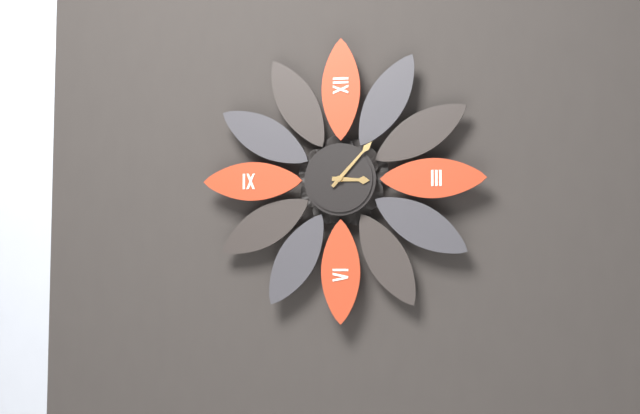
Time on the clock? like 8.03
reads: 3.07
